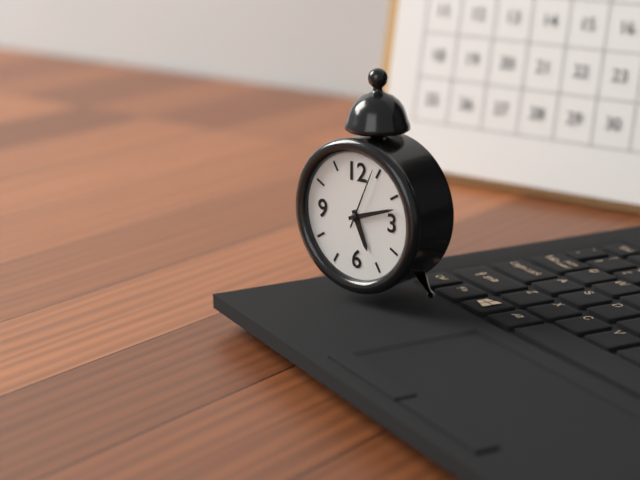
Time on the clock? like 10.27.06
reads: 5.12.04
